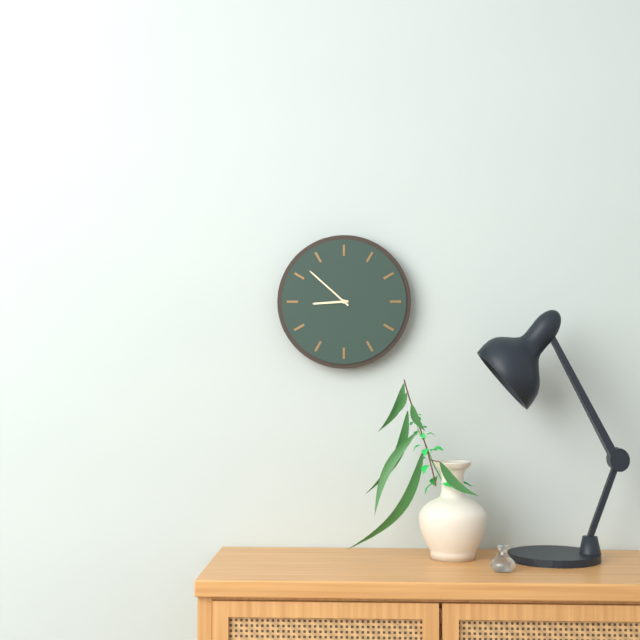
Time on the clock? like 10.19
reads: 8.52
